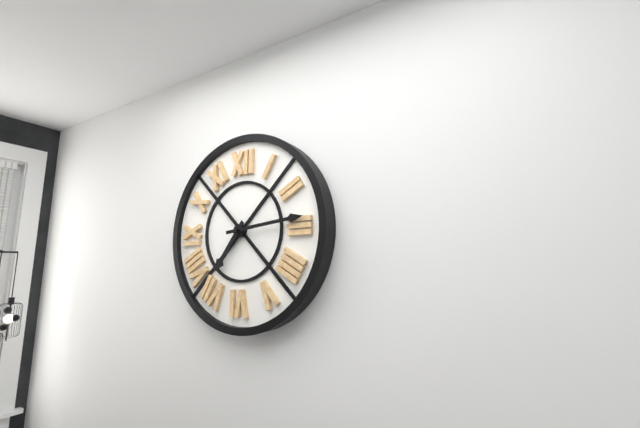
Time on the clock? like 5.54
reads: 7.14
